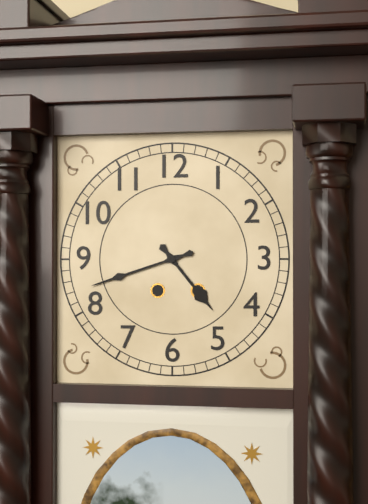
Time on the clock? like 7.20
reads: 4.42
